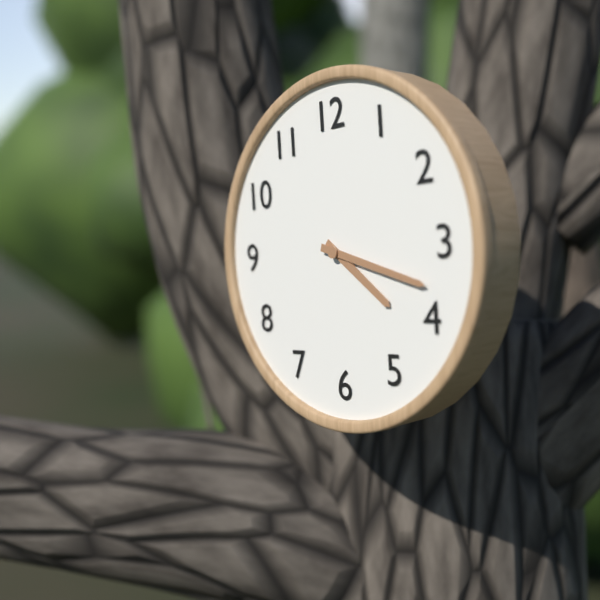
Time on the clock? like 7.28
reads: 4.18
